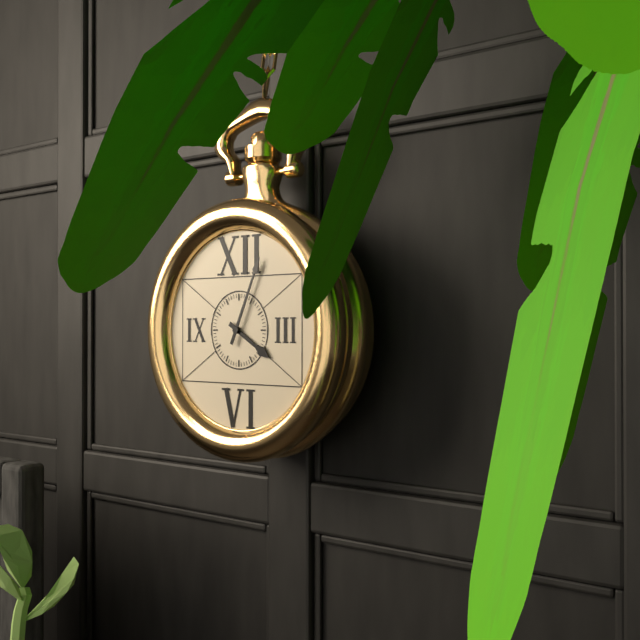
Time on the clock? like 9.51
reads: 4.04
